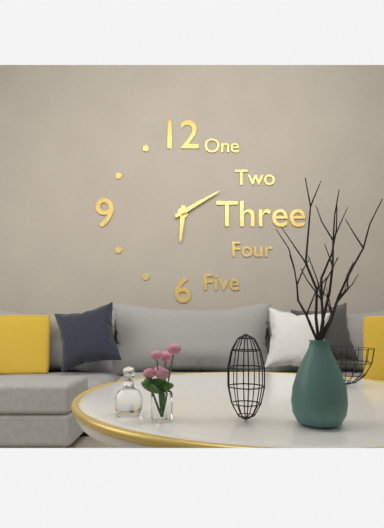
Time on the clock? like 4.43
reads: 6.10
